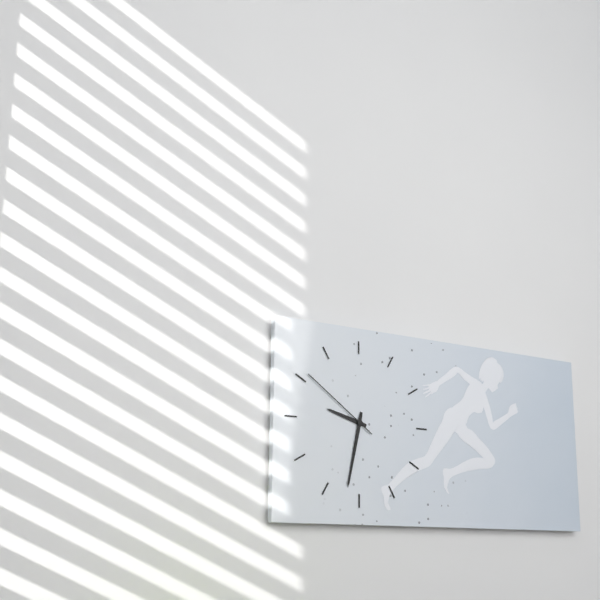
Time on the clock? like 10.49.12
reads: 9.32.51
